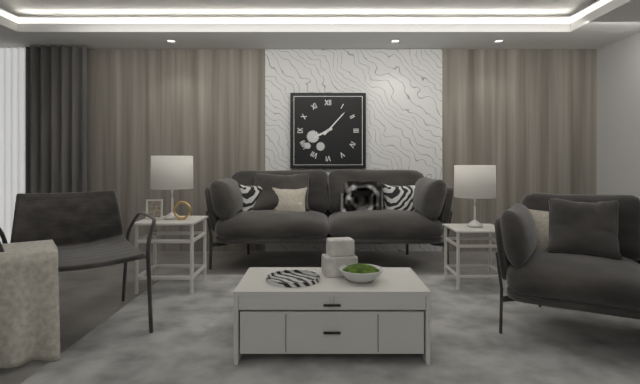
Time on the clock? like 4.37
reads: 8.07
